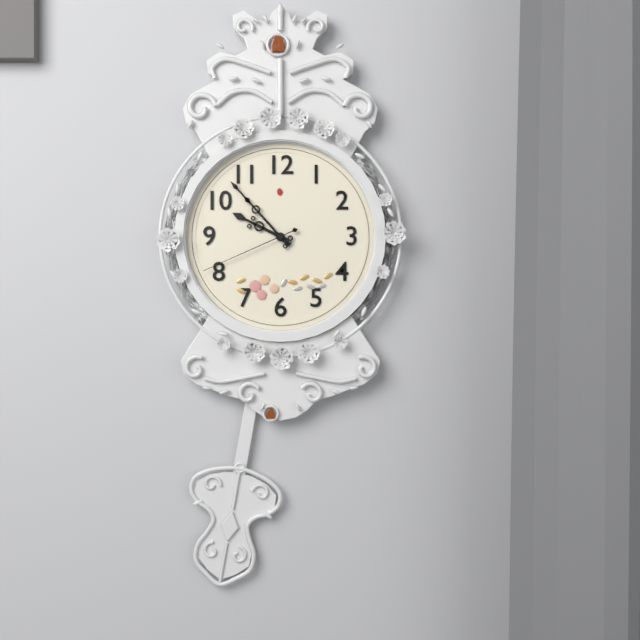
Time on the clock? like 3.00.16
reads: 9.53.41
